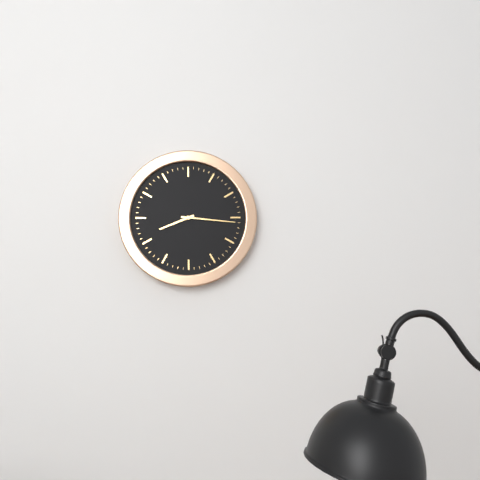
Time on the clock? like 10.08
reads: 8.16
